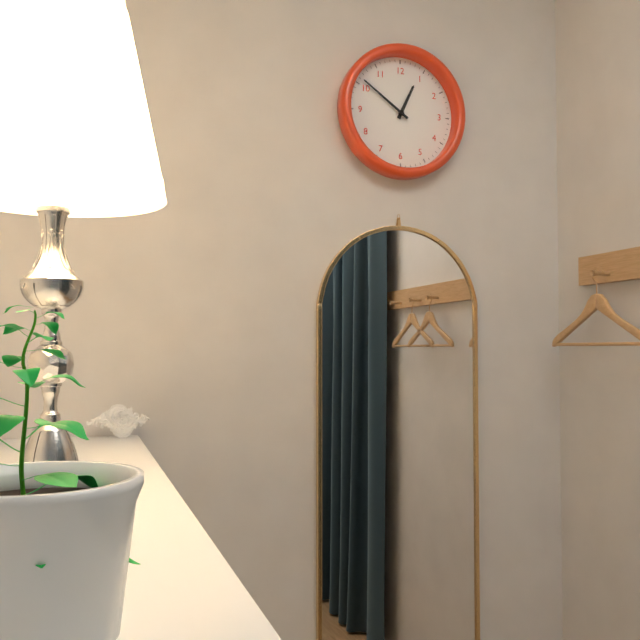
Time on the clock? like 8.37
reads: 12.51
